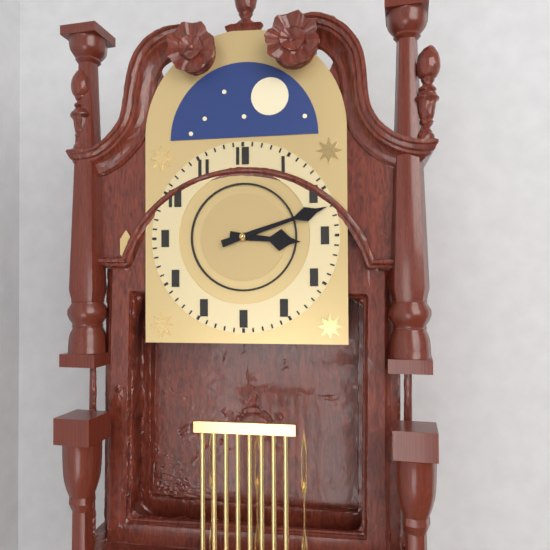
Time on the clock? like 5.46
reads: 3.12
